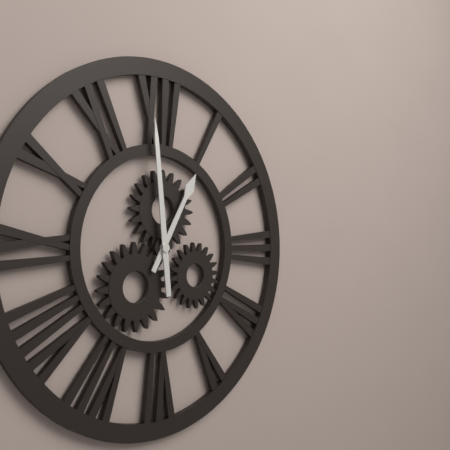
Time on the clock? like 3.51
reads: 12.59
